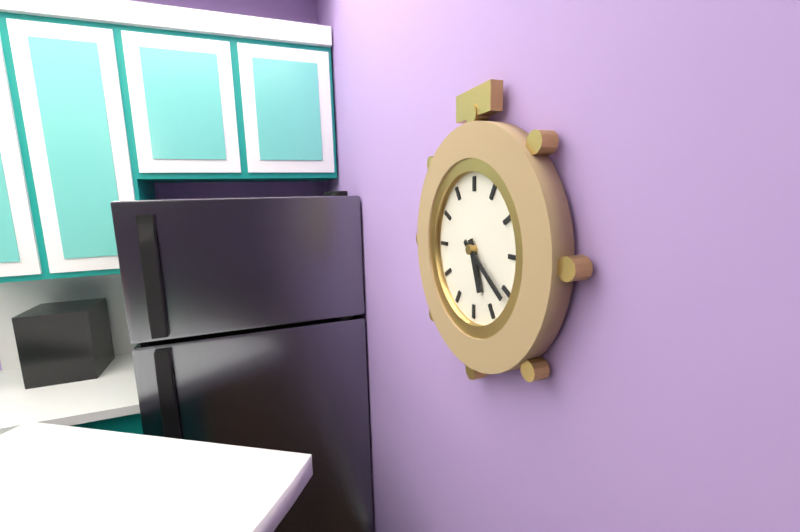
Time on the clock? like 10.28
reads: 5.21
